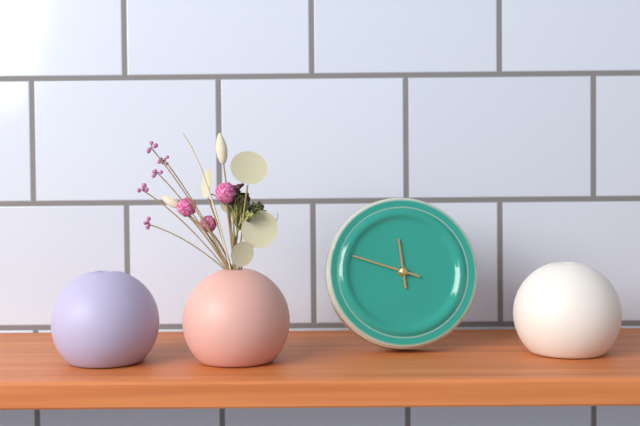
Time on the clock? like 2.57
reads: 11.48
